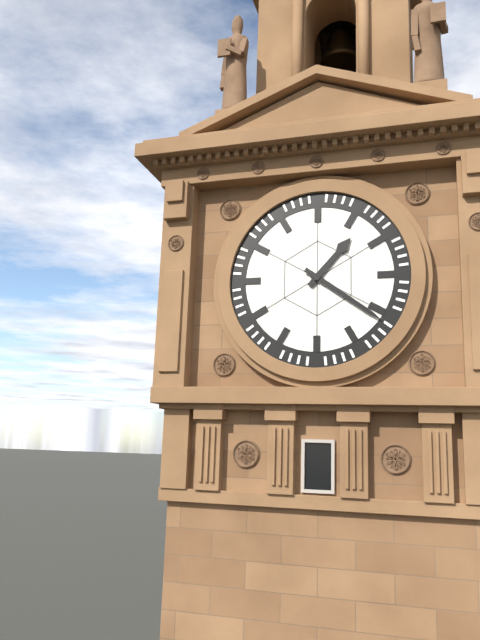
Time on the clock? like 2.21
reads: 1.21
